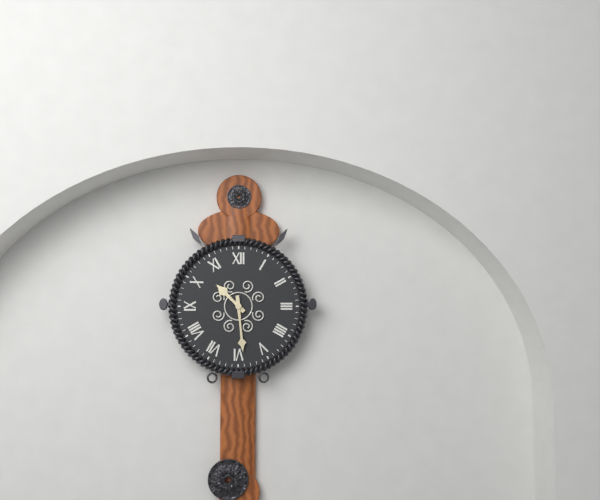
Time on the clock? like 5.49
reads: 10.29
